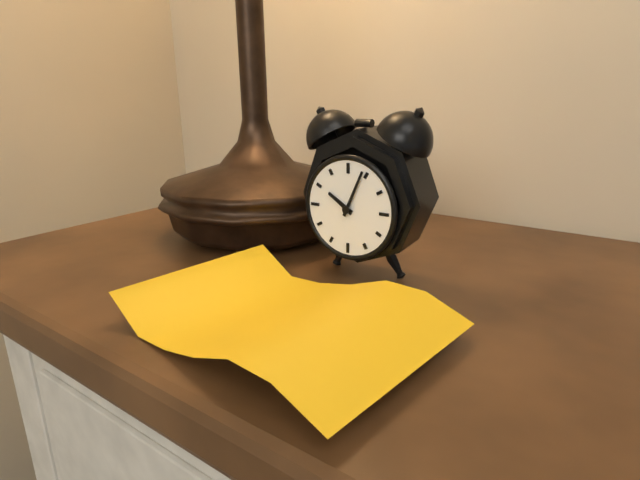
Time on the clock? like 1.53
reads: 10.04
